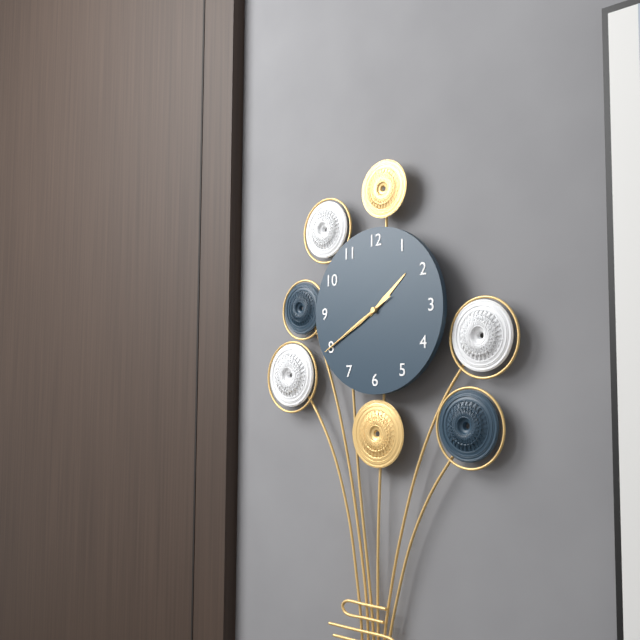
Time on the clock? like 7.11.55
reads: 1.40.40
